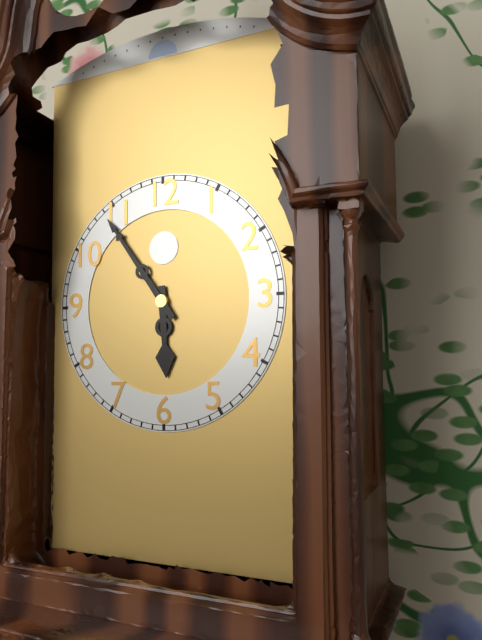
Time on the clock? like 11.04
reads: 5.54
